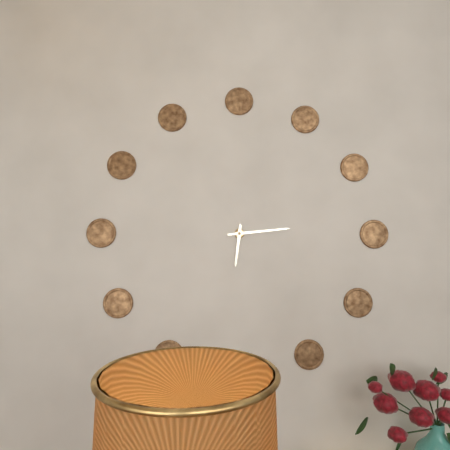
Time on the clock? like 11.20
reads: 6.14
